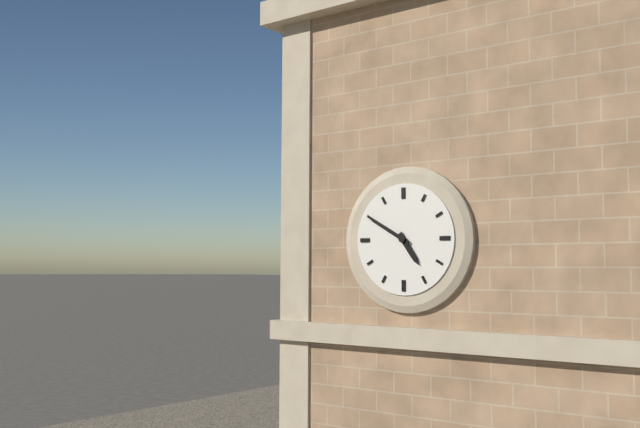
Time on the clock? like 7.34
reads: 4.50
